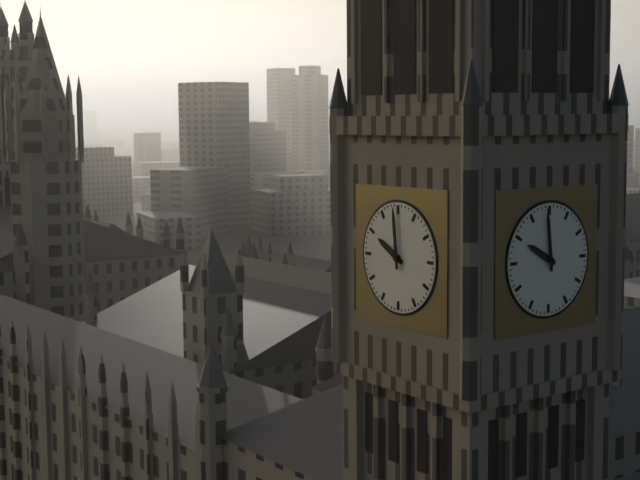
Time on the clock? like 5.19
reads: 9.59
